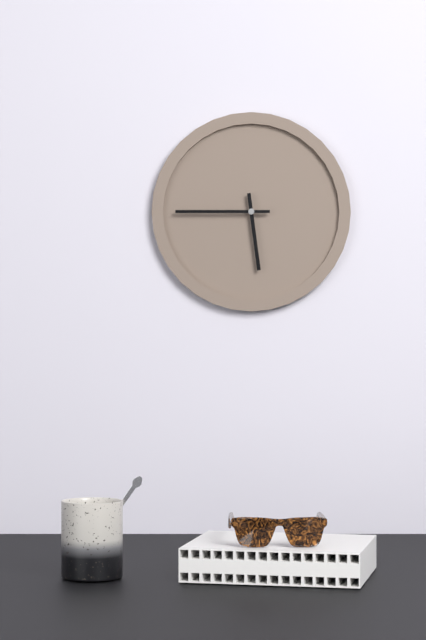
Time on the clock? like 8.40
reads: 5.45
